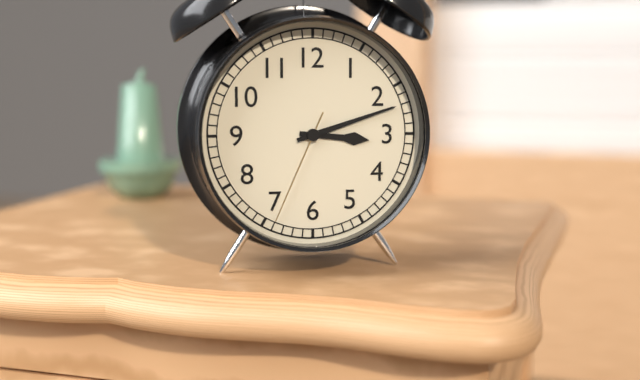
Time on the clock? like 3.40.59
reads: 3.12.34
